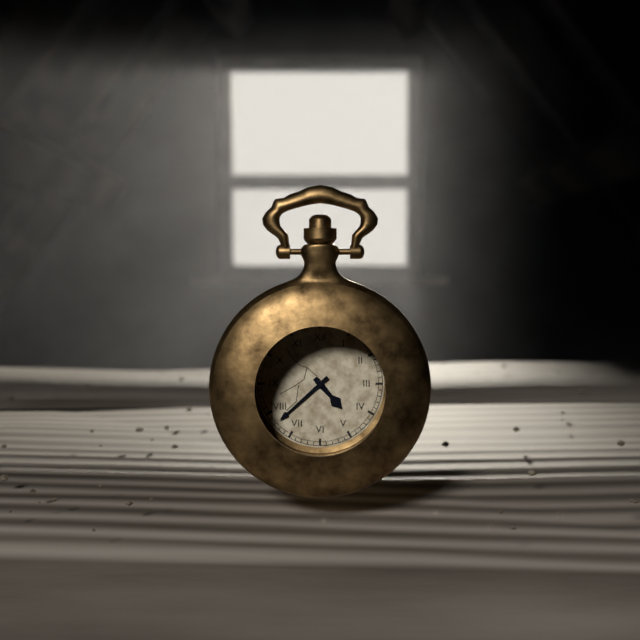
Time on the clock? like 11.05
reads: 4.38
